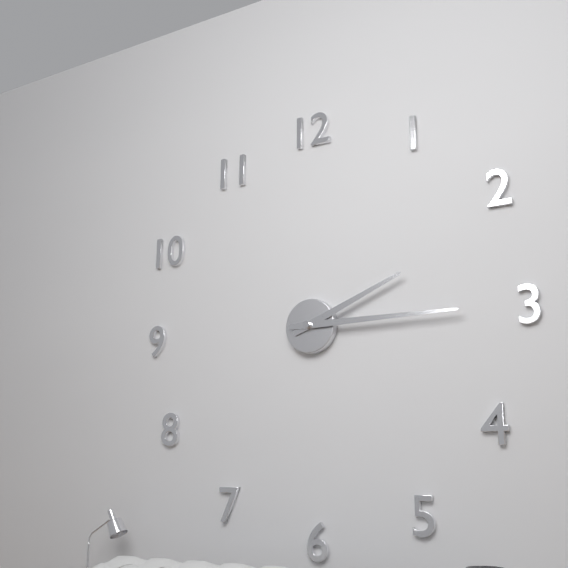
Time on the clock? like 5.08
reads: 2.15
